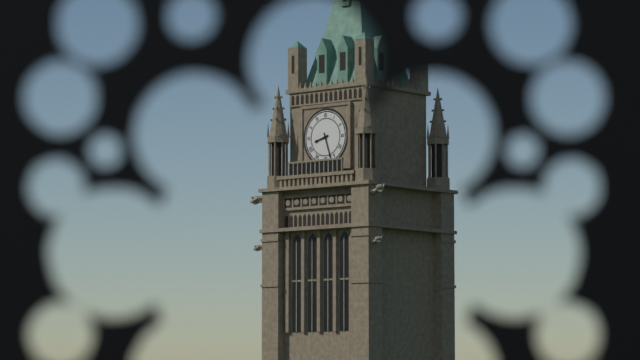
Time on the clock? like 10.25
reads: 8.27
